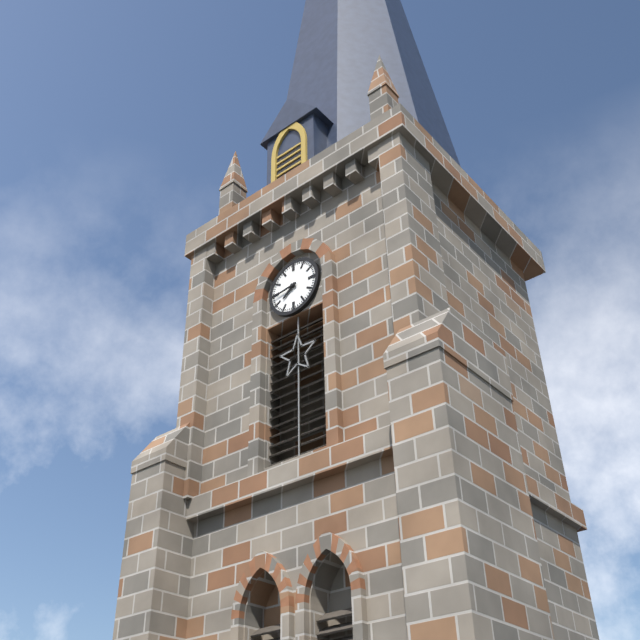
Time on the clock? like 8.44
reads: 7.44
